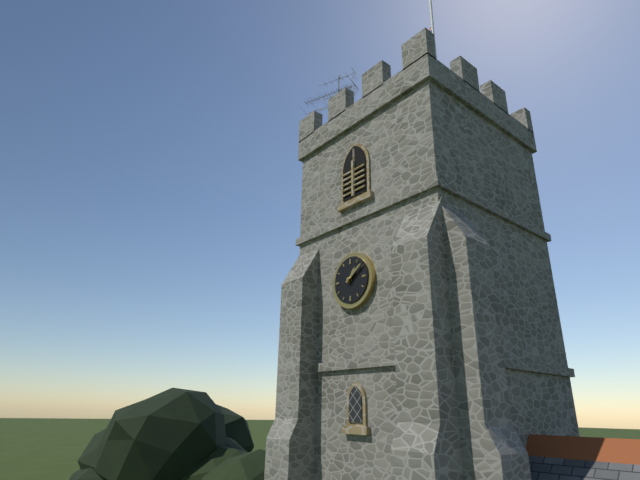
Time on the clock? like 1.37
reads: 1.09
